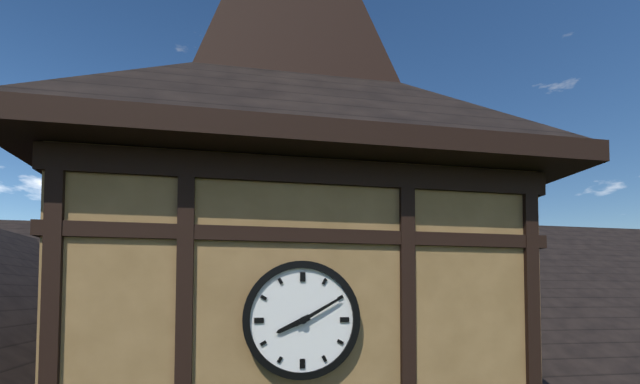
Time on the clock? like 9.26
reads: 8.10
